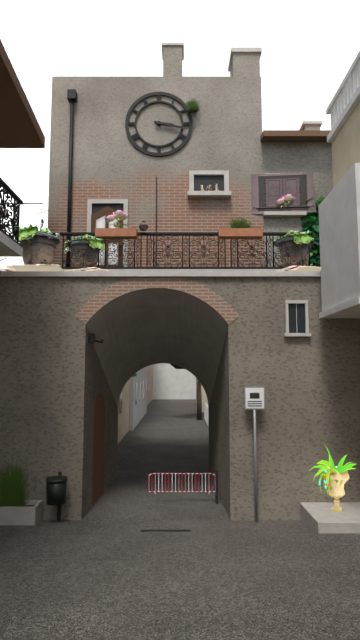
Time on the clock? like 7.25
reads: 3.17
